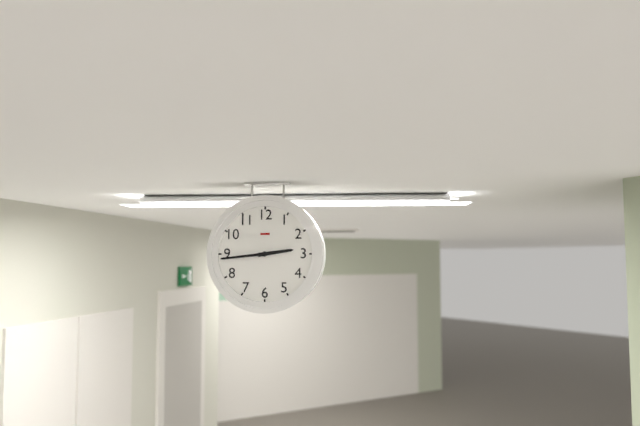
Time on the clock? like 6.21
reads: 2.44
